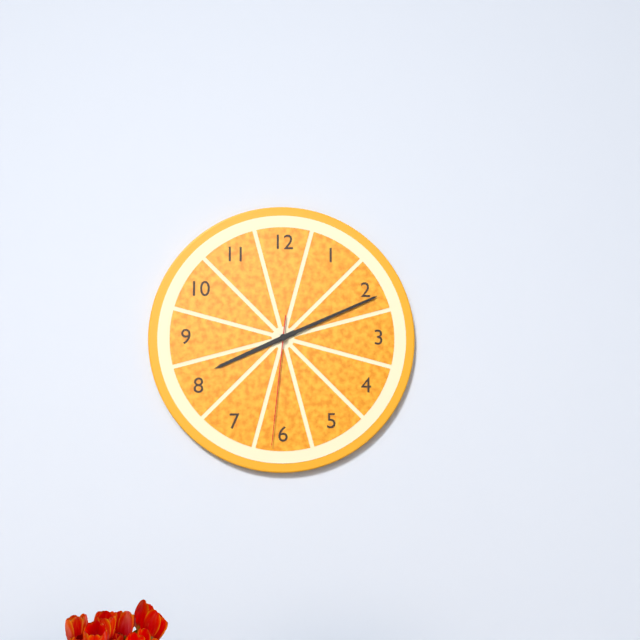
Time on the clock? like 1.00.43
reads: 8.11.31
